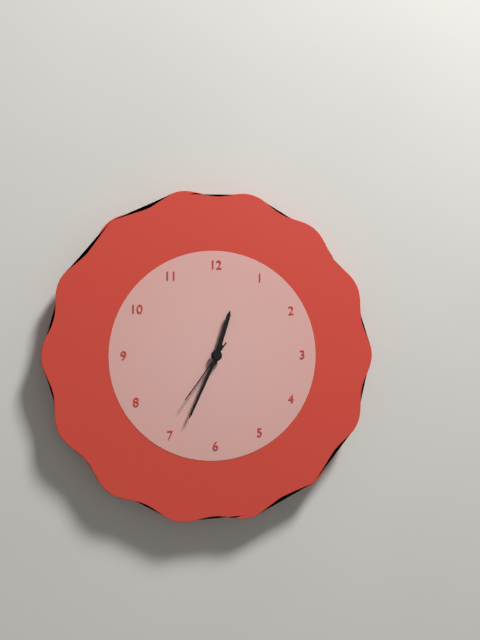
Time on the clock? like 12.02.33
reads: 12.34.36
